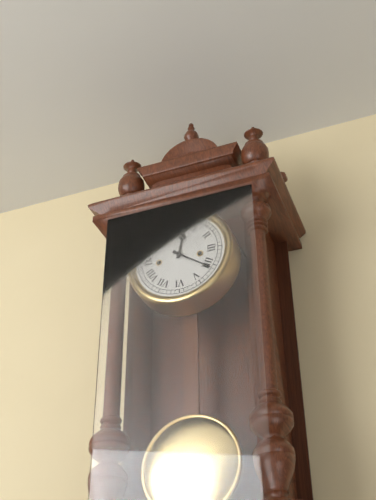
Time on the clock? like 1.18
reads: 12.21
